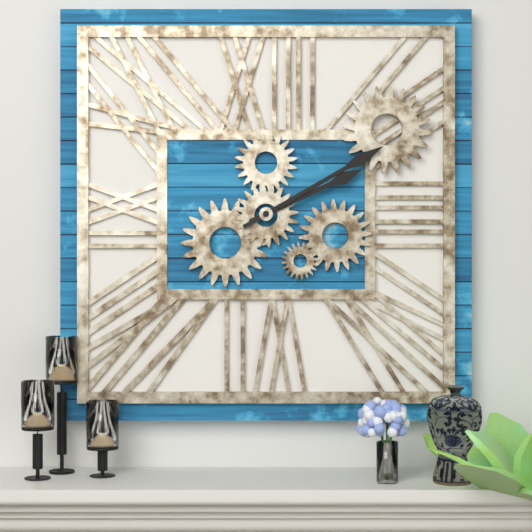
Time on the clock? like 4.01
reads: 2.10
